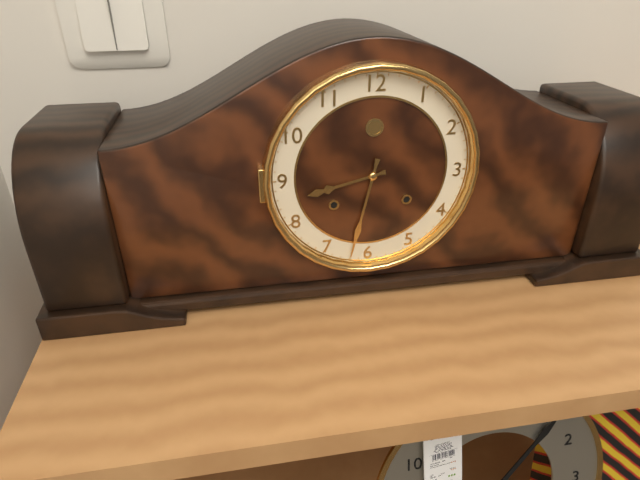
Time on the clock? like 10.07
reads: 8.32
